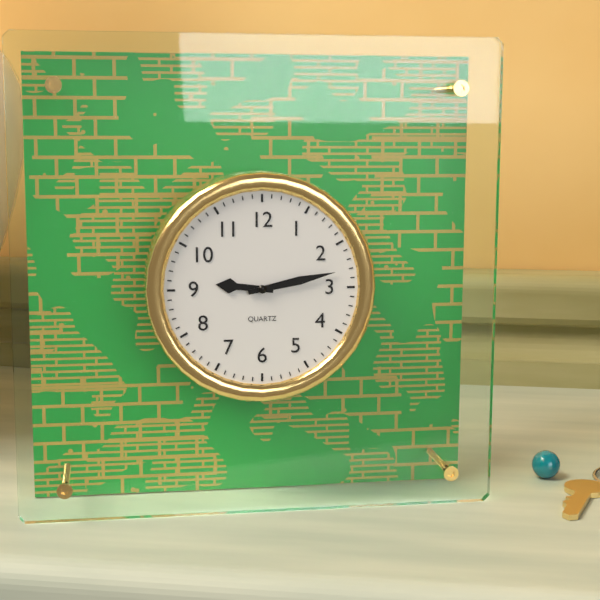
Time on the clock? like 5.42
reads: 9.13
